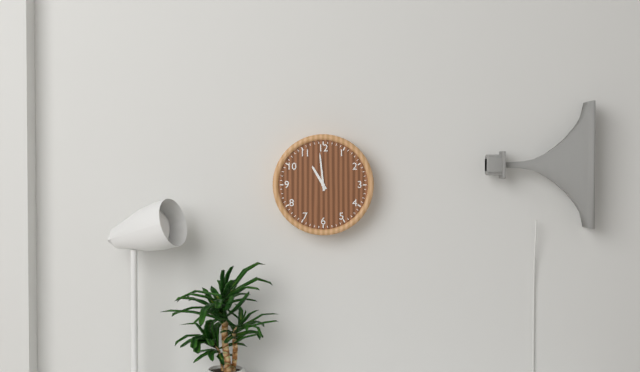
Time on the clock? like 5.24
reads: 10.59
